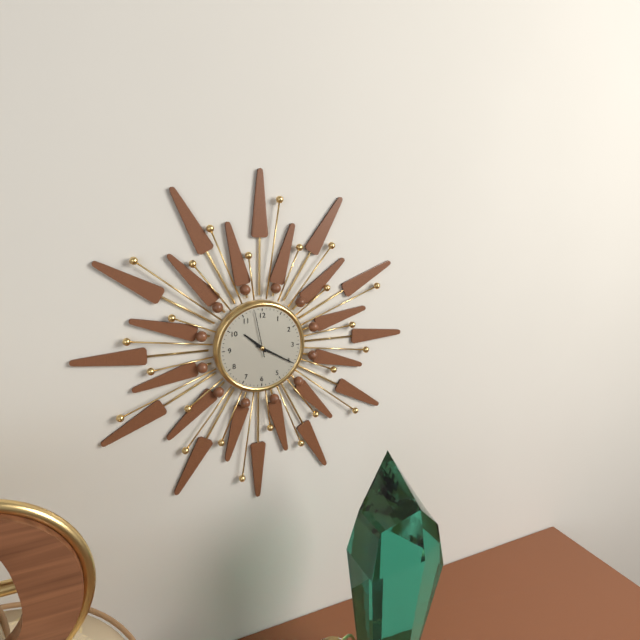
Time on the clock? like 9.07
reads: 10.20
